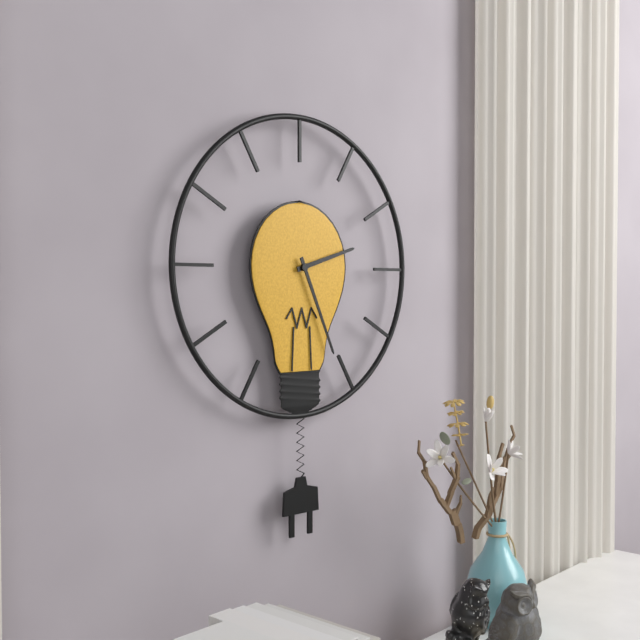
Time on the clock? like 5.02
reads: 2.26
